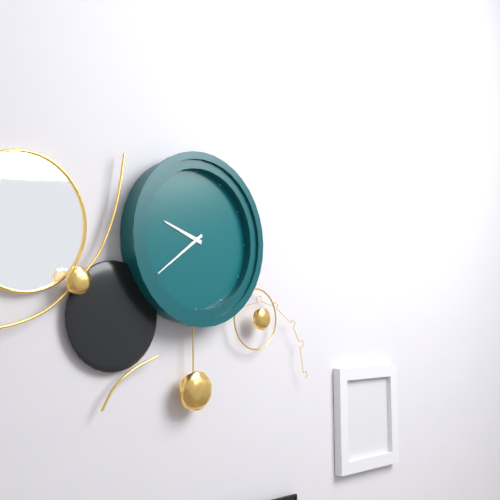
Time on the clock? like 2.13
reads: 9.39
